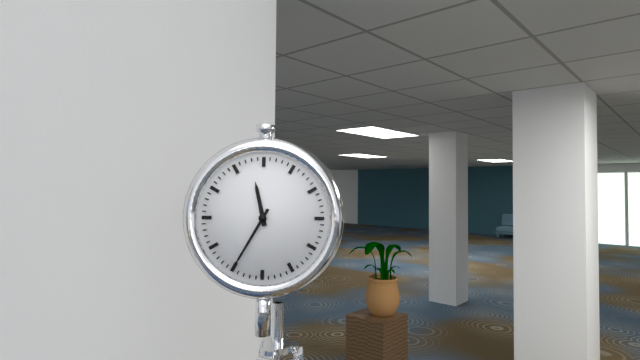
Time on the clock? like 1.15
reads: 11.35
